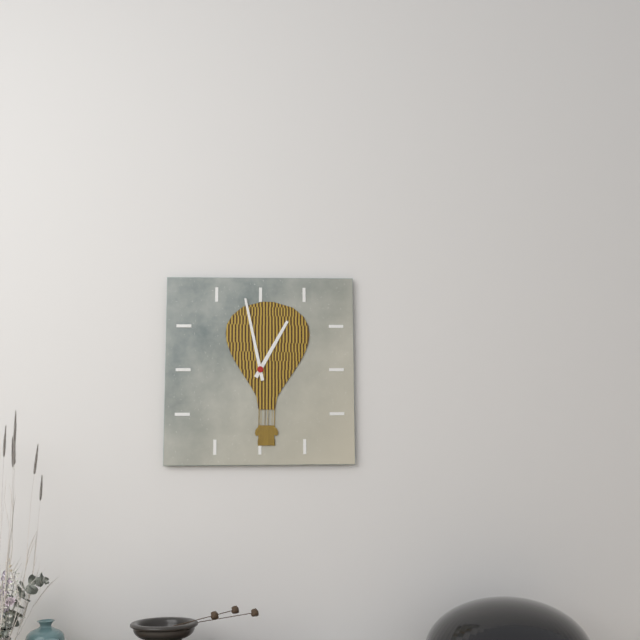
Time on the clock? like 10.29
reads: 12.58
